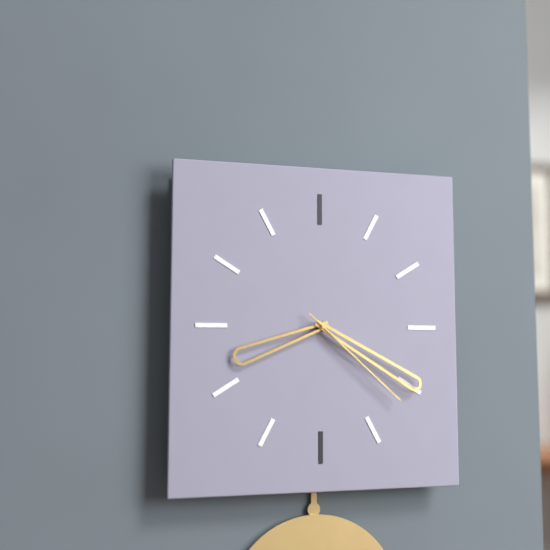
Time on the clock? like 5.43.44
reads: 8.20.22
